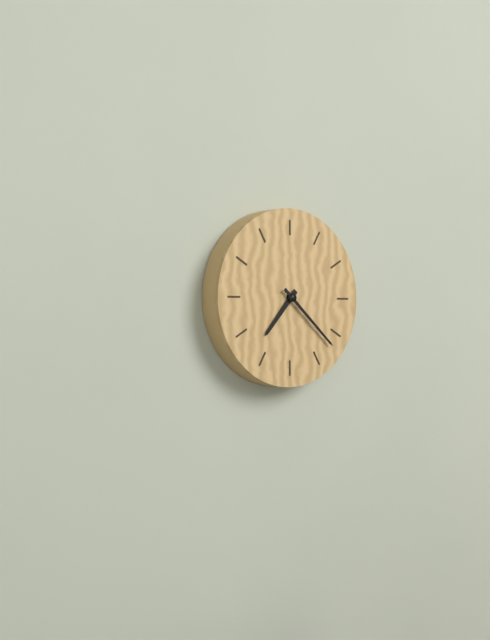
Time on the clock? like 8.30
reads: 7.22
